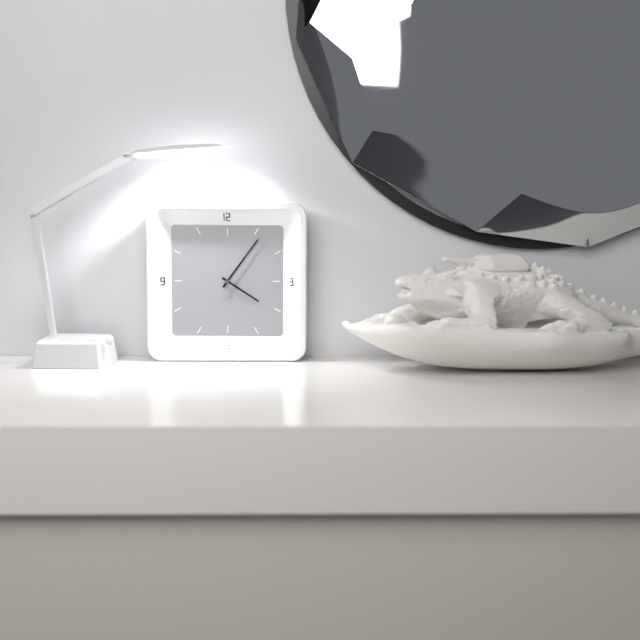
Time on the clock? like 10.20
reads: 4.06
